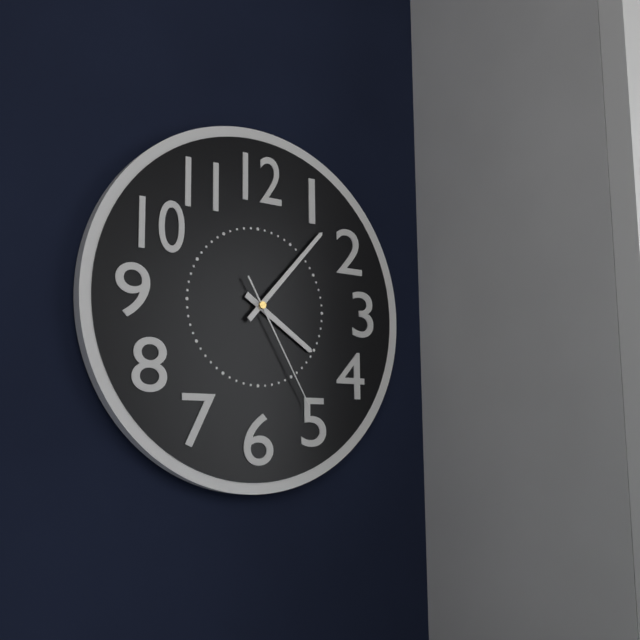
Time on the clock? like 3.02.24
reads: 4.07.25
